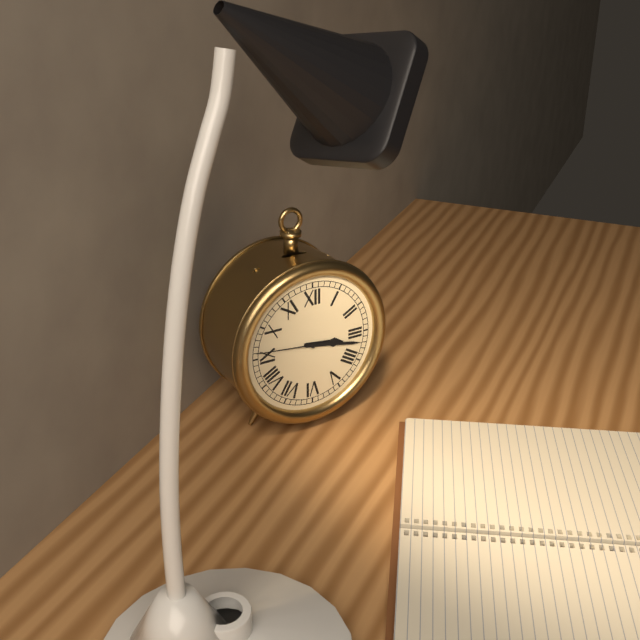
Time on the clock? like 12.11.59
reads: 3.17.46
